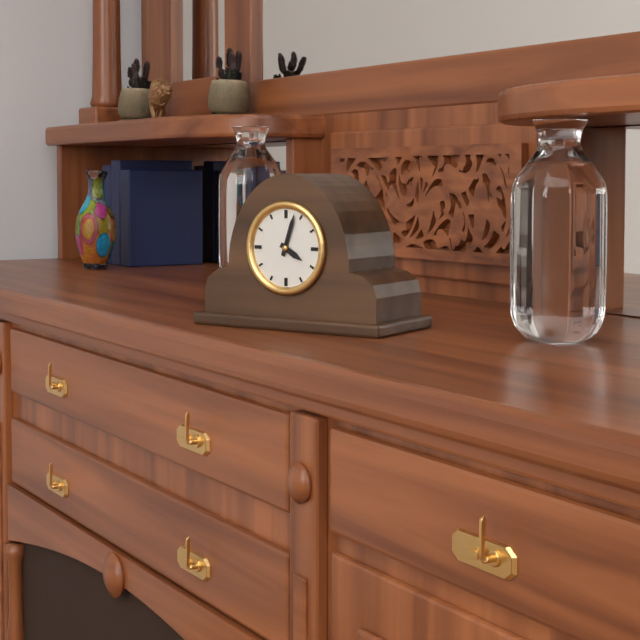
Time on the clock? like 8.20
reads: 4.03
